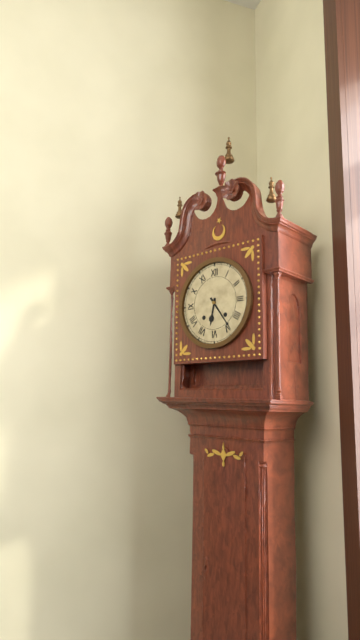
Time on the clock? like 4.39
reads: 6.24
